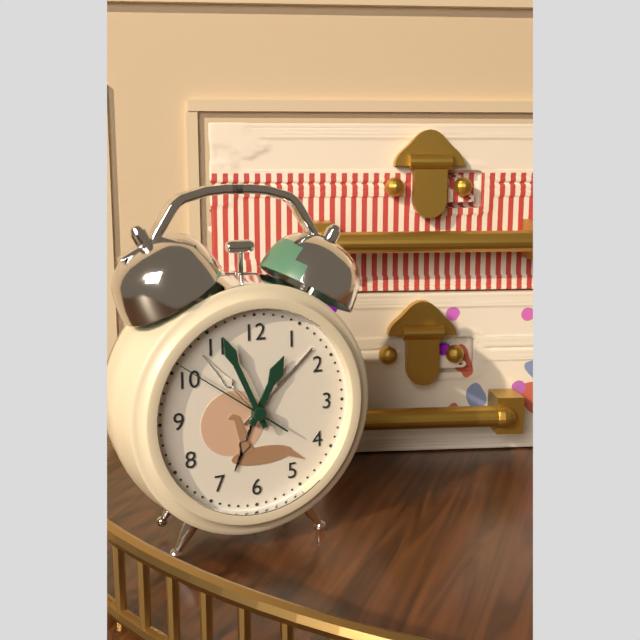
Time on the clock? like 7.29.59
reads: 12.56.51
